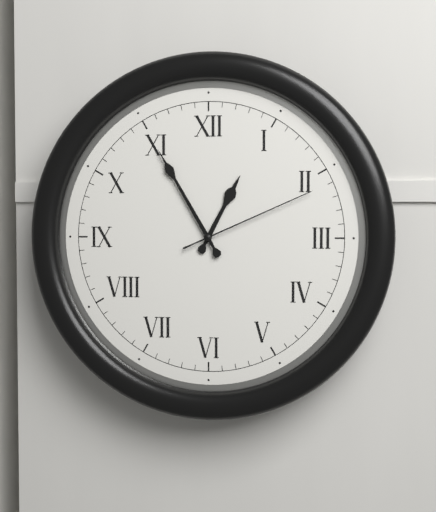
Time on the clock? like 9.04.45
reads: 12.55.11
